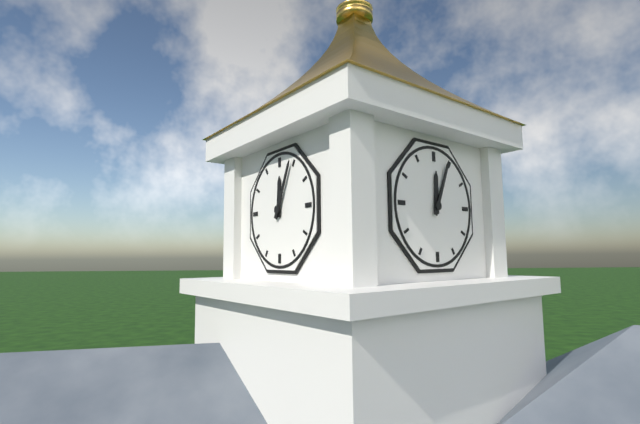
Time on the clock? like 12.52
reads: 12.04
